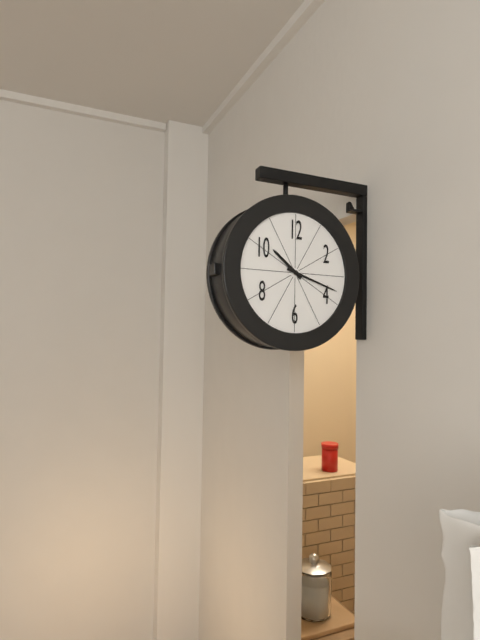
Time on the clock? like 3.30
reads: 10.18
